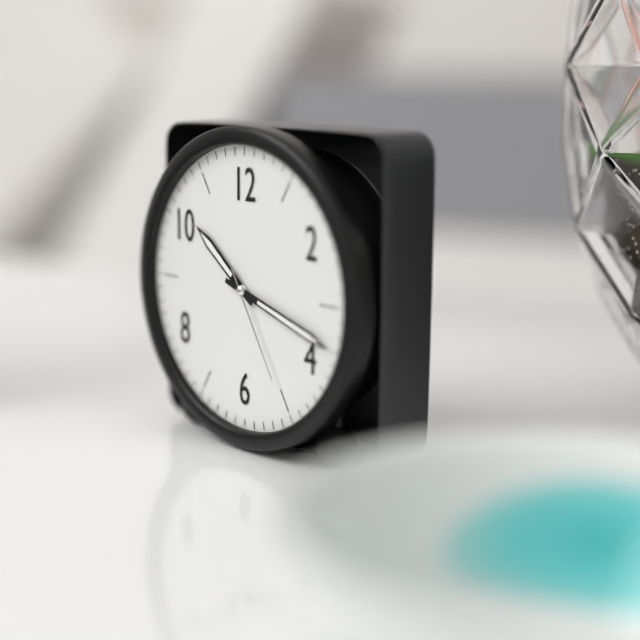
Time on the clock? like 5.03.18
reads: 10.18.25
